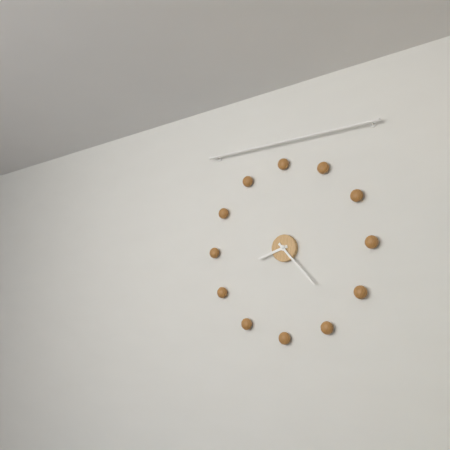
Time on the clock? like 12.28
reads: 8.23
